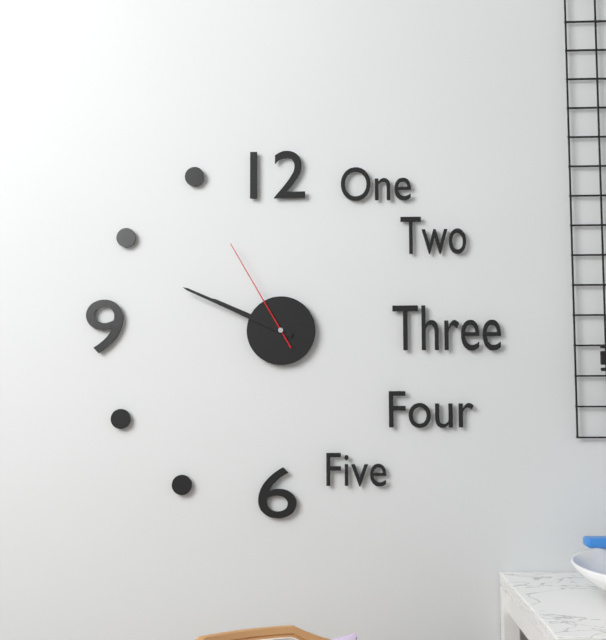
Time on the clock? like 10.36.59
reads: 9.49.55
